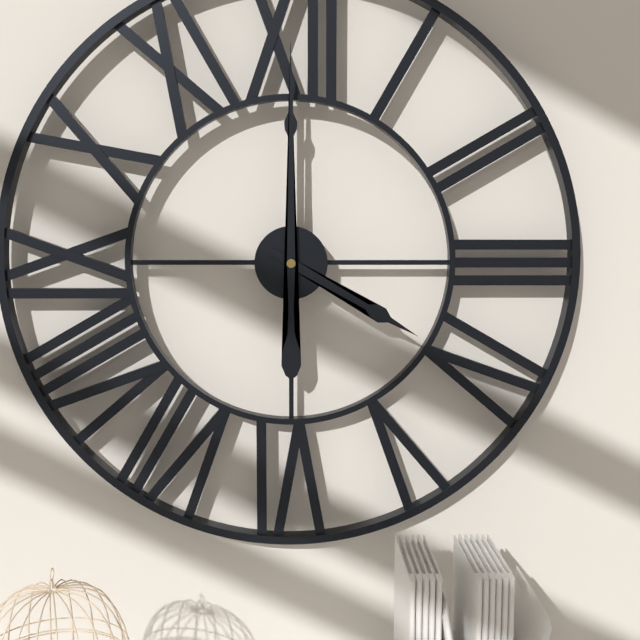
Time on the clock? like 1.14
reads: 4.00
